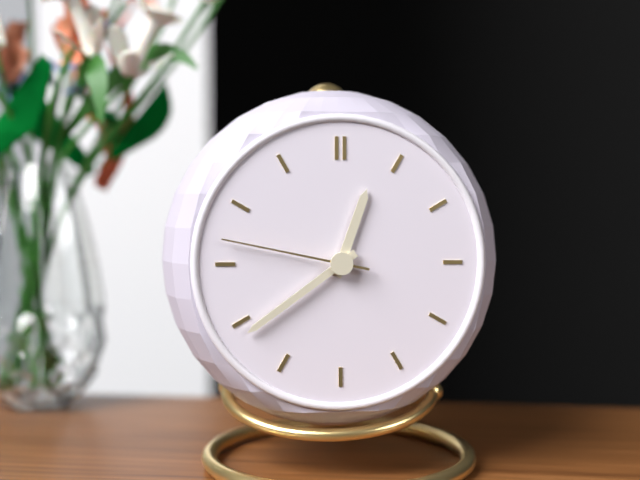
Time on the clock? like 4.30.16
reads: 12.39.47
